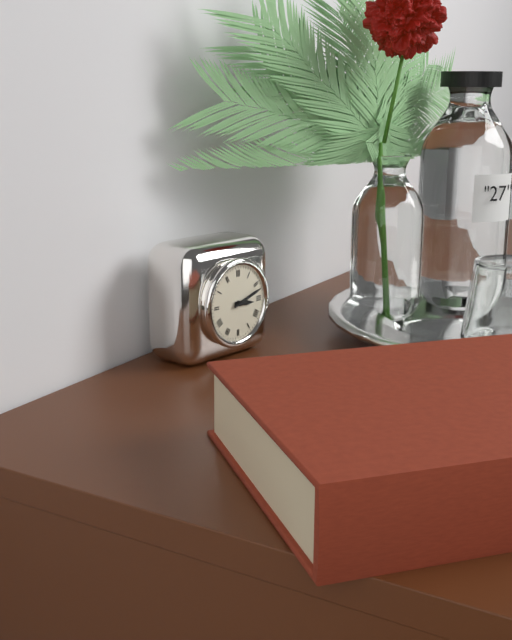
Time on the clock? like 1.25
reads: 3.12
